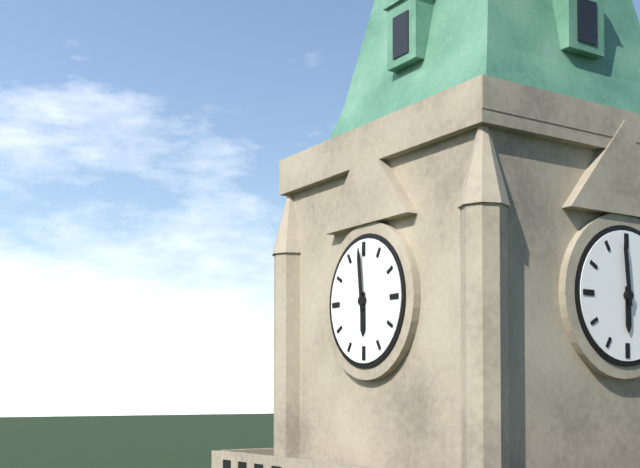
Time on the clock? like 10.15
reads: 5.59
